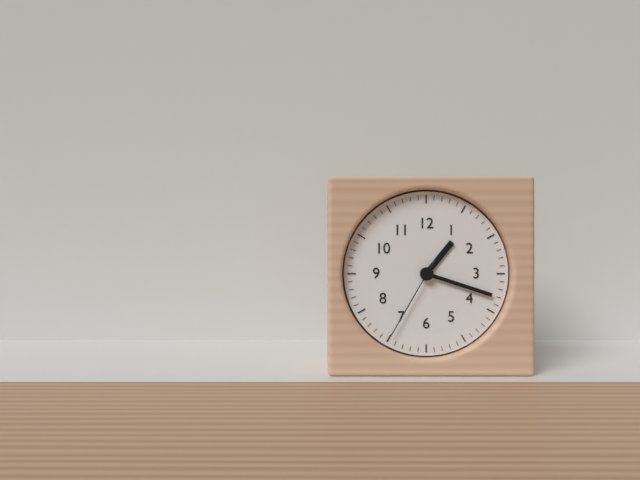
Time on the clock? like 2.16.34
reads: 1.18.35
